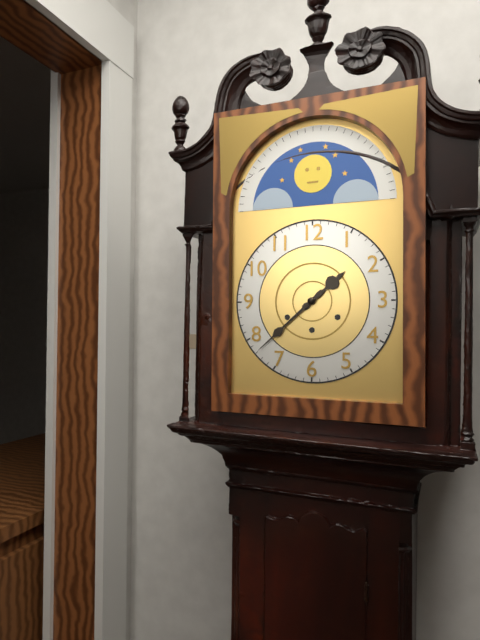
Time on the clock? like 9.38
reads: 1.38
